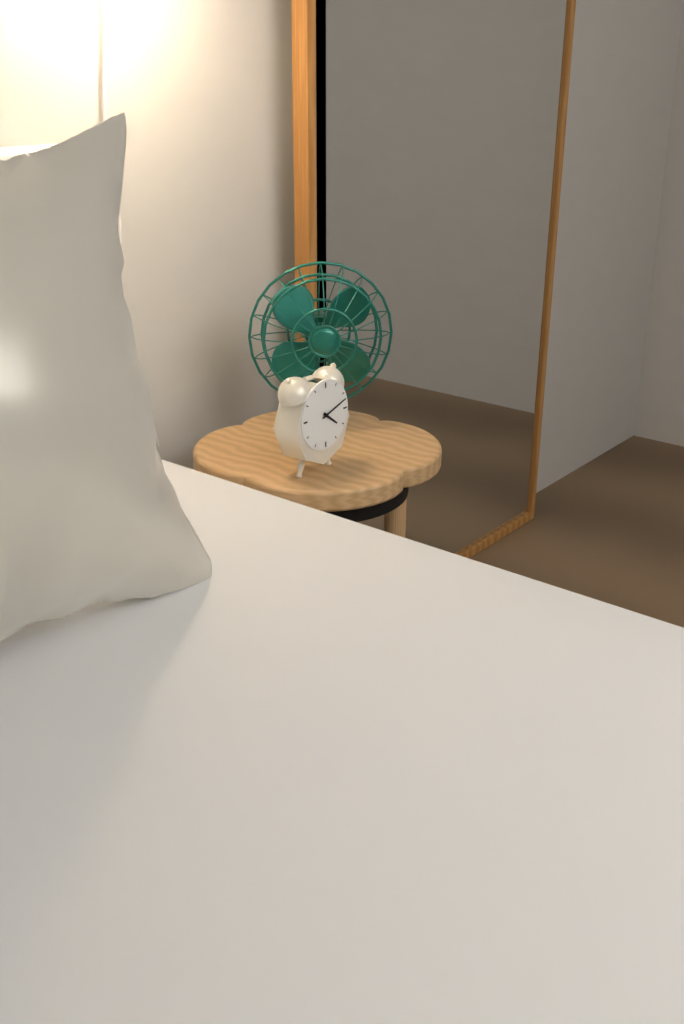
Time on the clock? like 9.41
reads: 4.12
